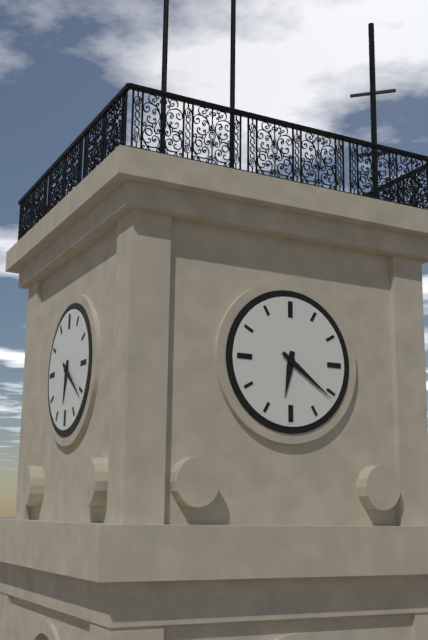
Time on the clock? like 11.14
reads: 6.21
